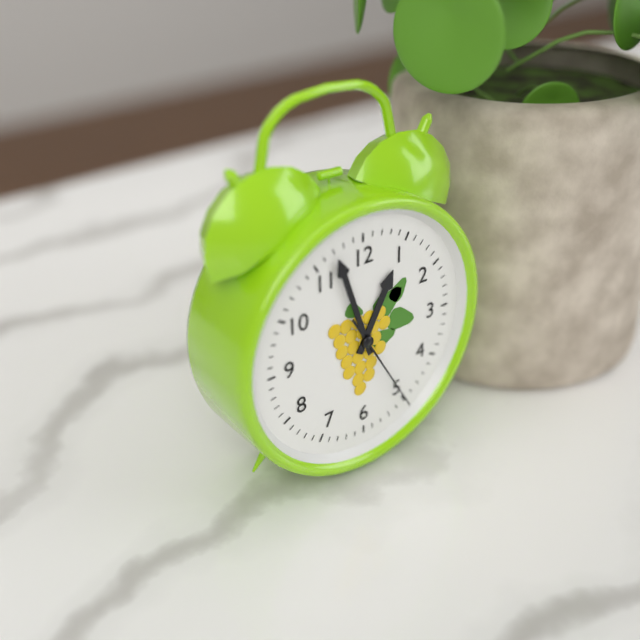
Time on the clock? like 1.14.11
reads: 12.57.25
